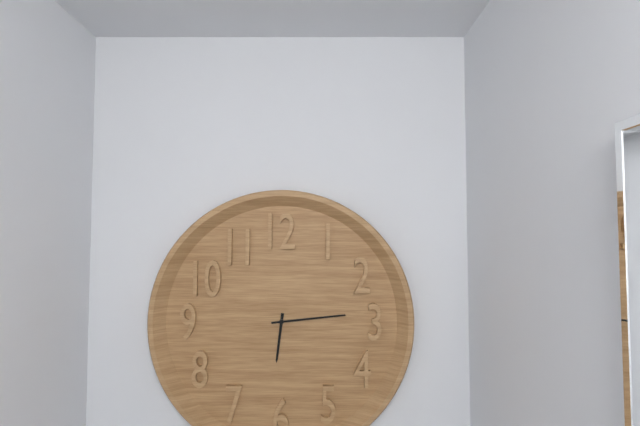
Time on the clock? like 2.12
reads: 6.14
